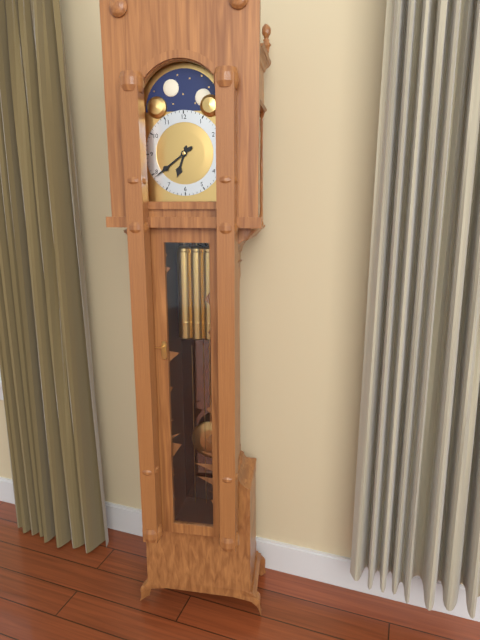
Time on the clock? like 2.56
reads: 6.39
